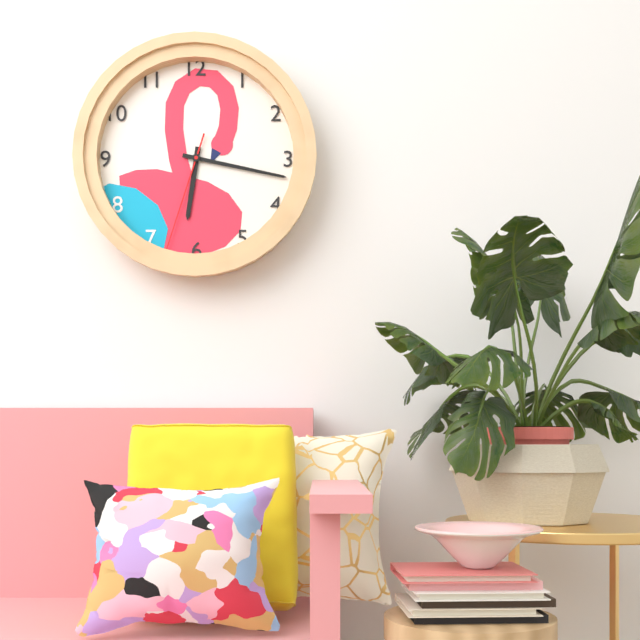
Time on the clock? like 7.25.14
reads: 6.17.33
